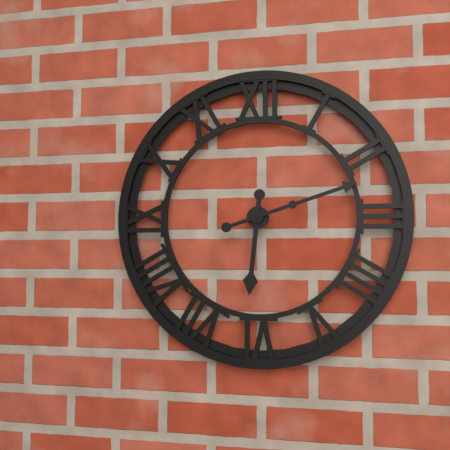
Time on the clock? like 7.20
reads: 6.12
